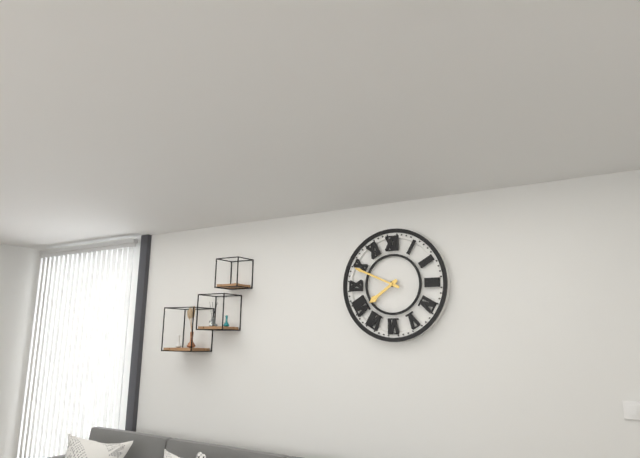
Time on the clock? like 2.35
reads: 7.49
